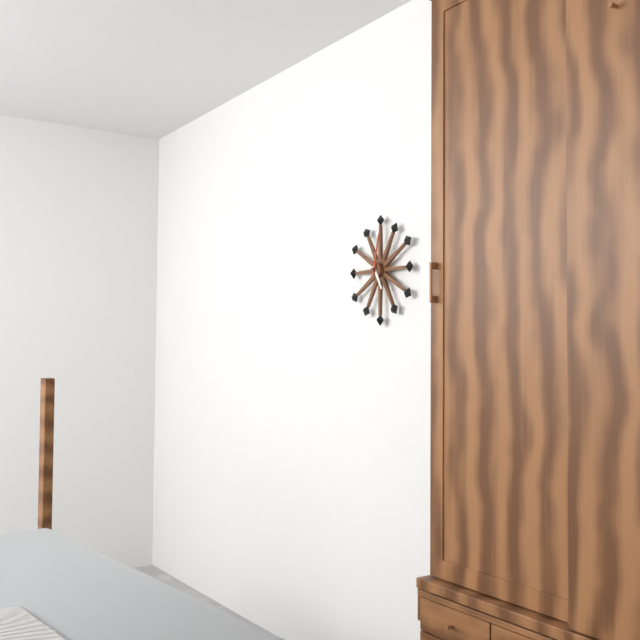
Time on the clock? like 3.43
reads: 5.02
